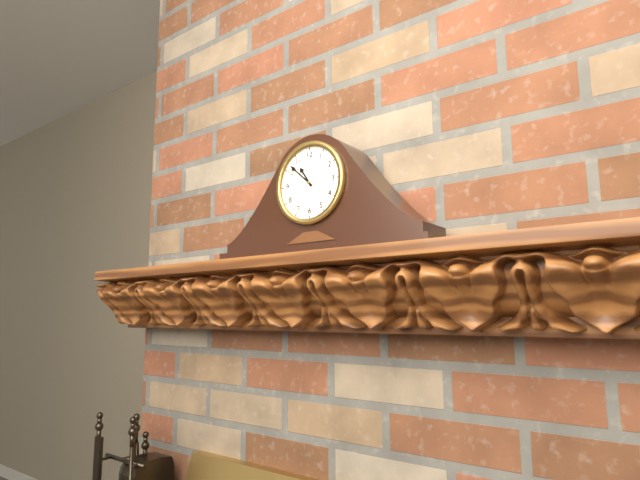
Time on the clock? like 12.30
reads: 10.52
